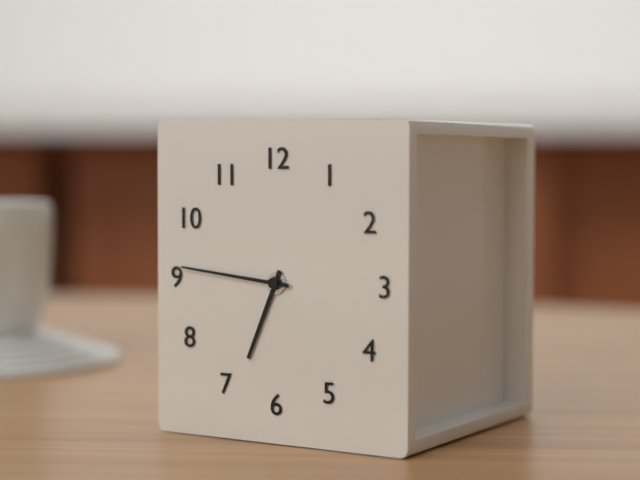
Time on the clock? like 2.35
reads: 6.46
